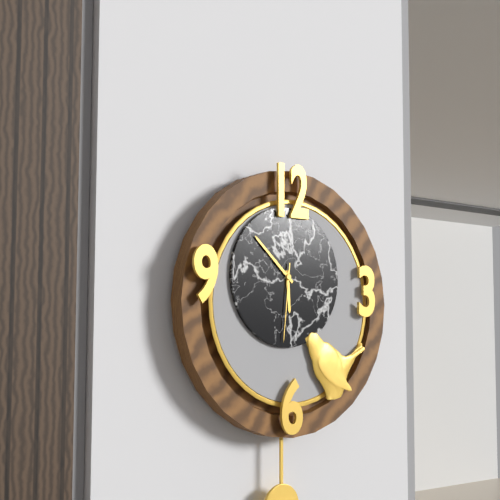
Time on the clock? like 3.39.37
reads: 5.52.31
